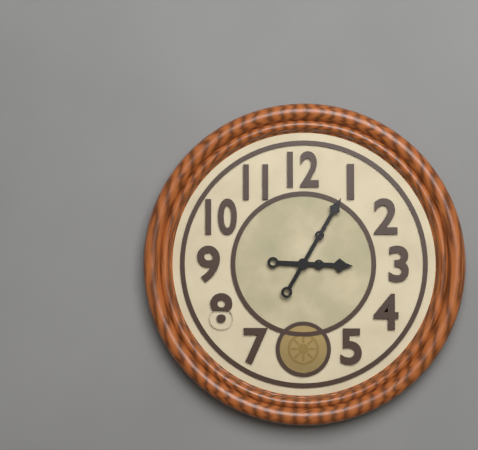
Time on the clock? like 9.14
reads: 3.05
